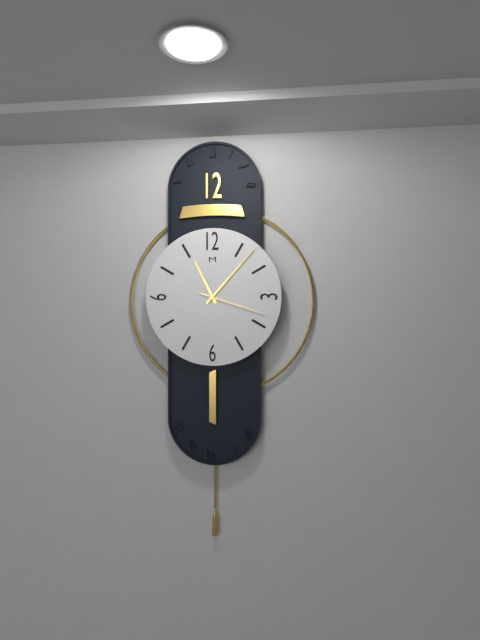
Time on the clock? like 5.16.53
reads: 11.07.18
